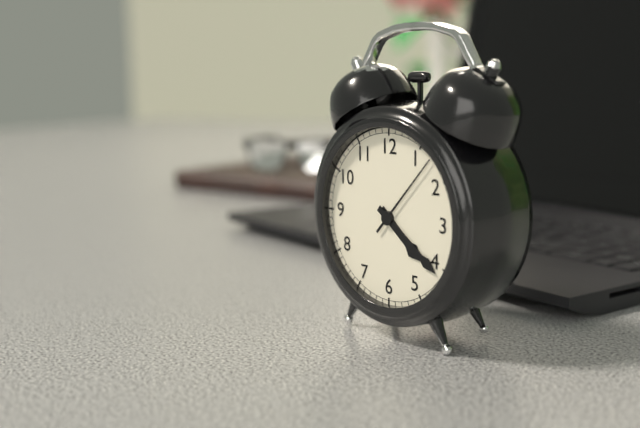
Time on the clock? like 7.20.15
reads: 4.21.07
